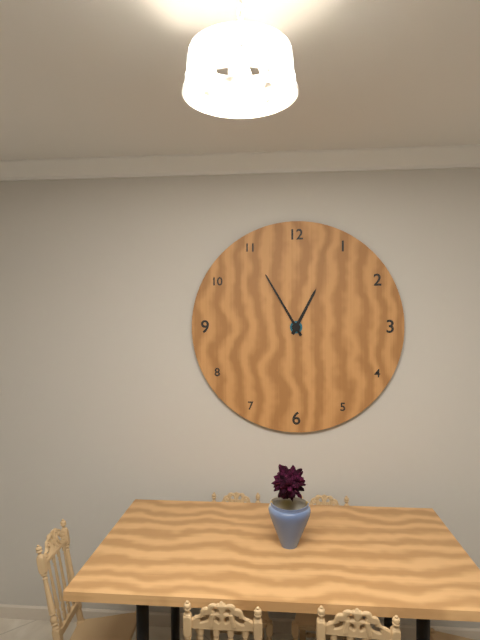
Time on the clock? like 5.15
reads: 12.55
